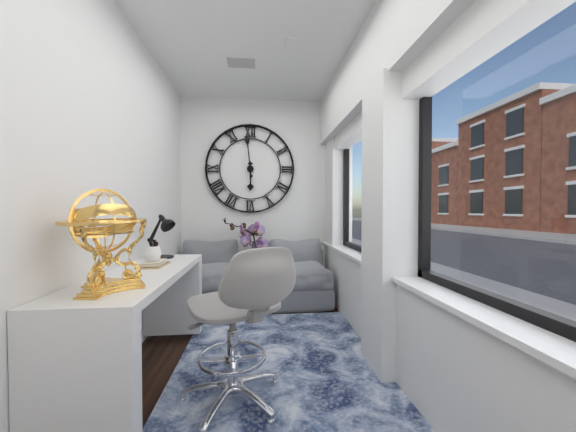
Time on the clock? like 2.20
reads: 5.59
